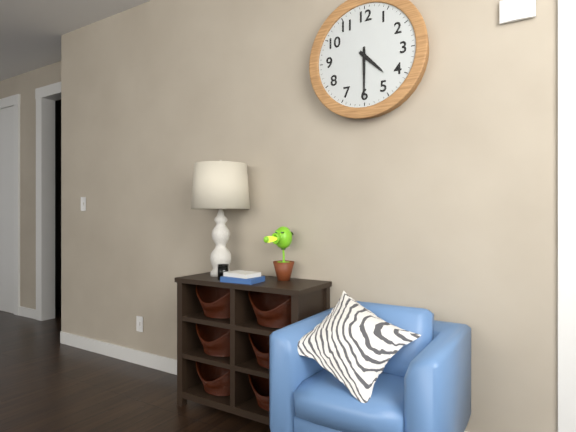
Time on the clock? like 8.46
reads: 4.30
